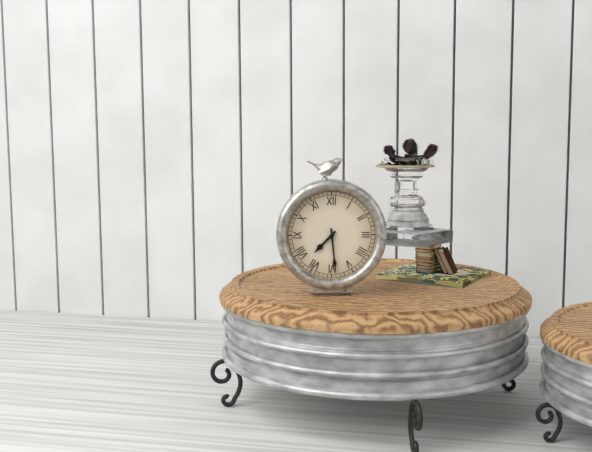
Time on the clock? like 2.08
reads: 7.29
